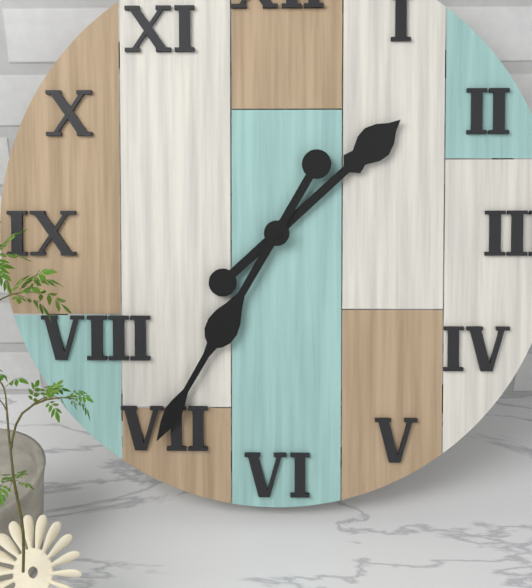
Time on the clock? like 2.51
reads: 1.35
